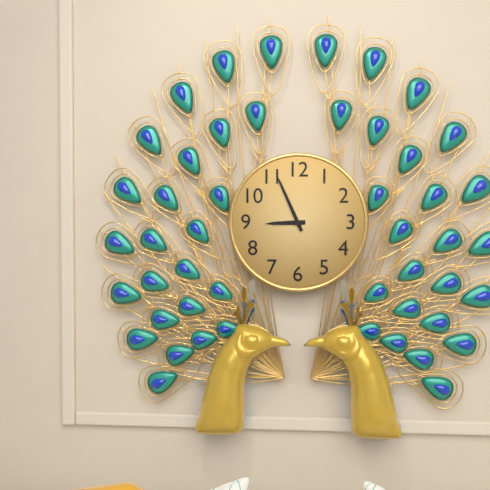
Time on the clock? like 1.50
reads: 8.56
